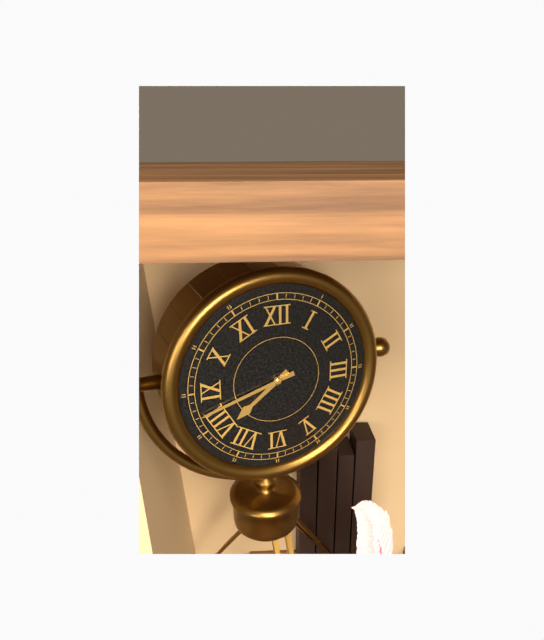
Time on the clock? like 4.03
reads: 7.42
